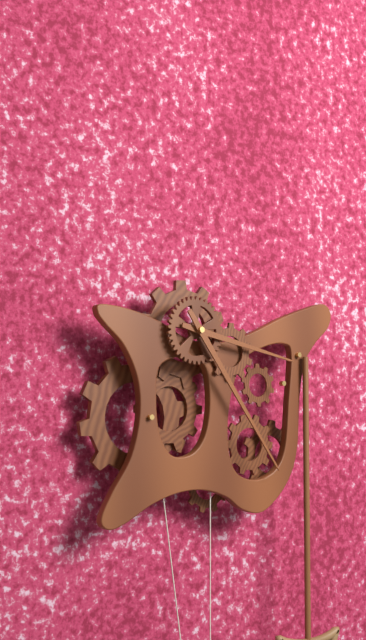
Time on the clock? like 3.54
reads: 3.24
